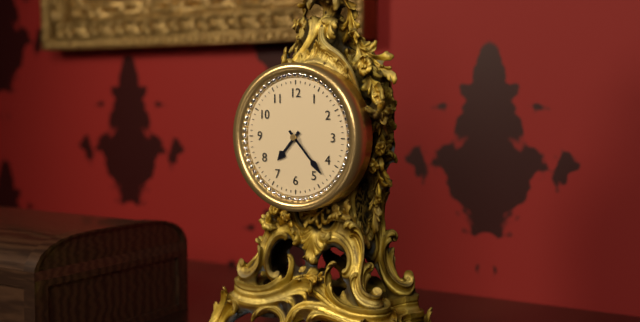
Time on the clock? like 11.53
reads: 7.23
